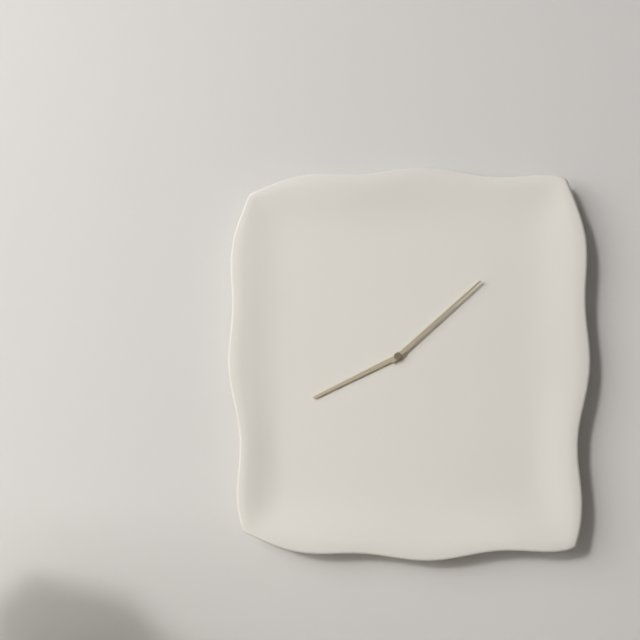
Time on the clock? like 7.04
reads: 8.08
